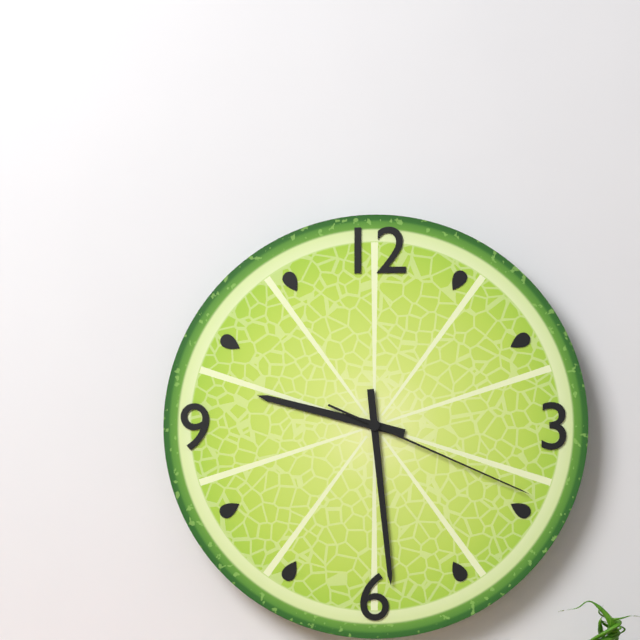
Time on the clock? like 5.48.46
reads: 9.29.19
